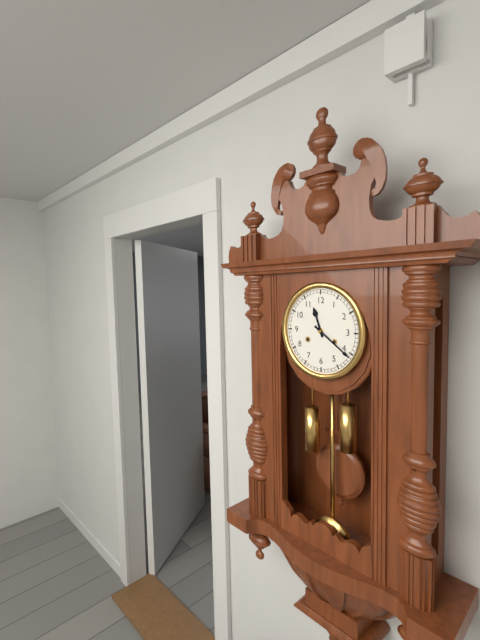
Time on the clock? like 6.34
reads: 11.21
